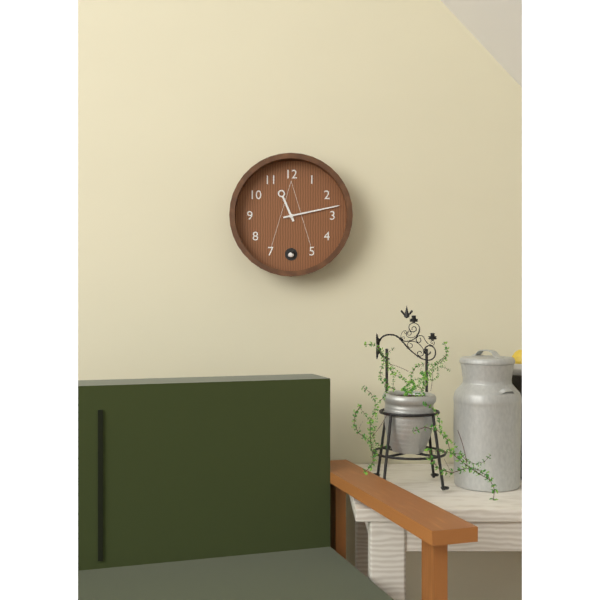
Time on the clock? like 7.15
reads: 11.13
